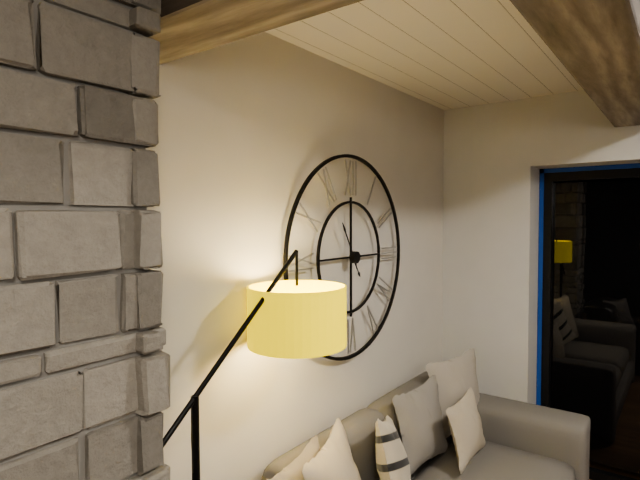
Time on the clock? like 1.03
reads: 4.55
